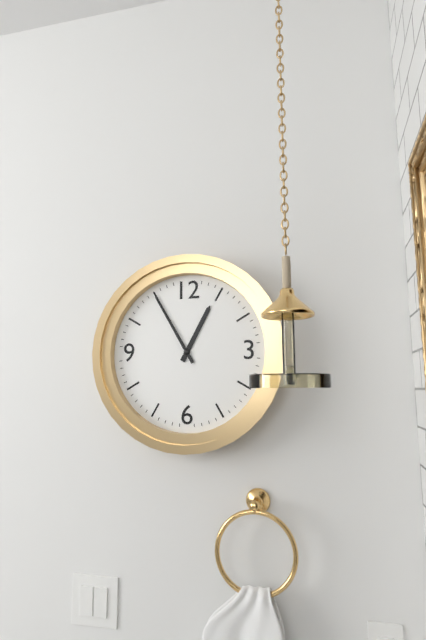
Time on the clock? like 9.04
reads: 12.55
